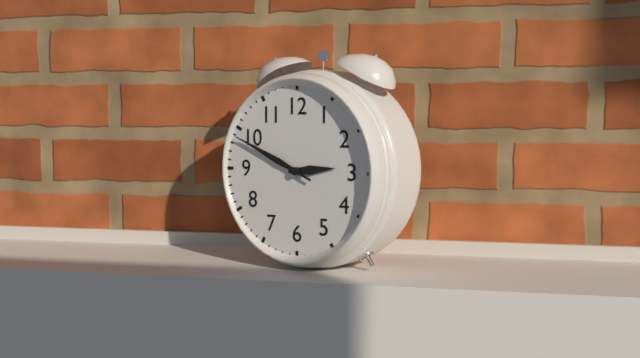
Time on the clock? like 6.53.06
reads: 2.49.49
